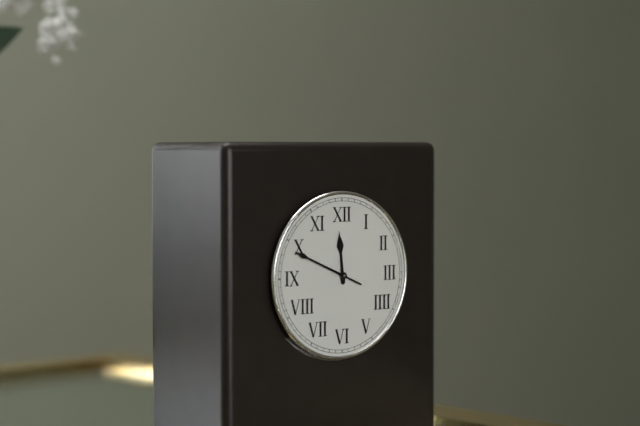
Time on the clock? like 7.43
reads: 11.49
